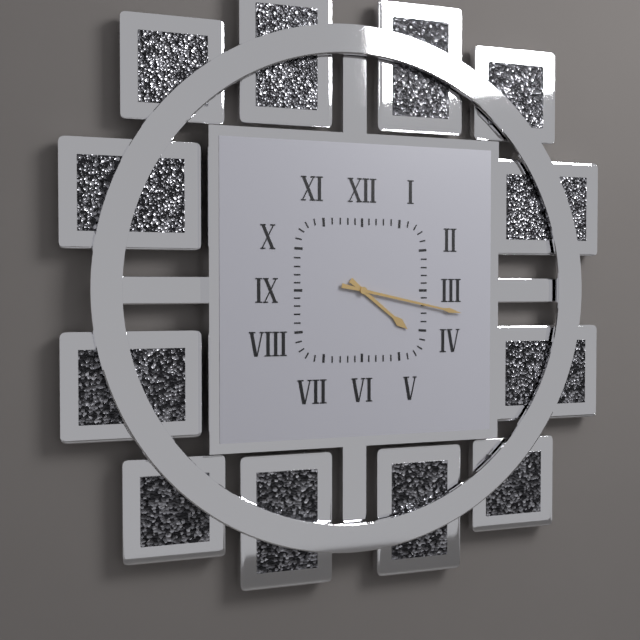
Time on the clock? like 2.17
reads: 4.17
